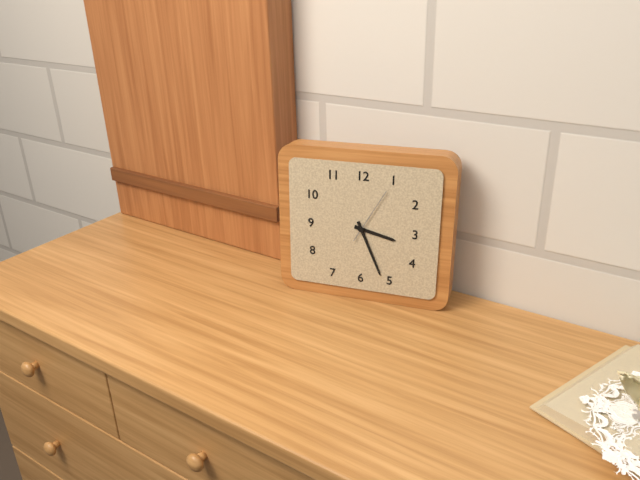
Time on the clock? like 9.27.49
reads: 3.26.05
